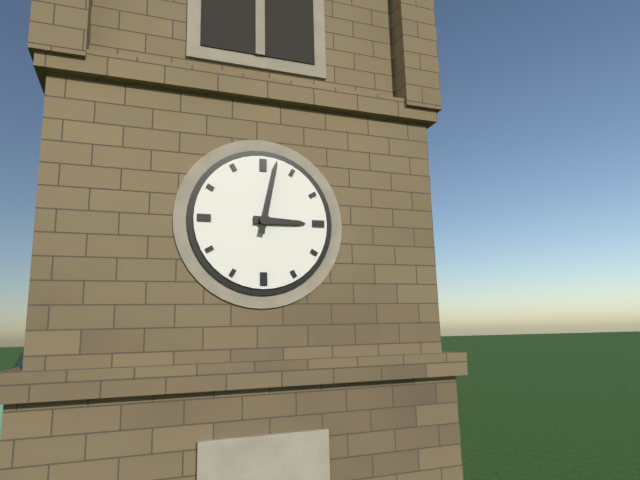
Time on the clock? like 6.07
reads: 3.02
